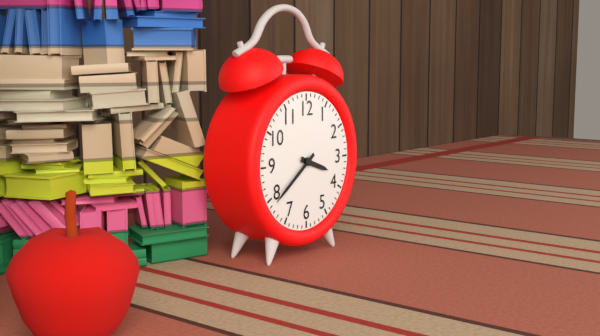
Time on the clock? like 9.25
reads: 3.39
